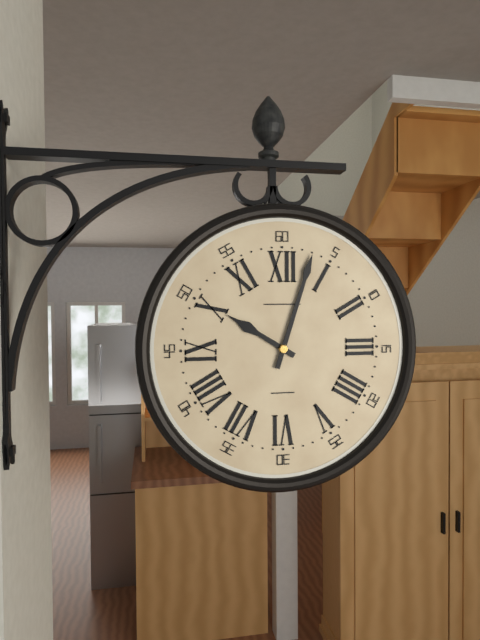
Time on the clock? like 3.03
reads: 10.03
